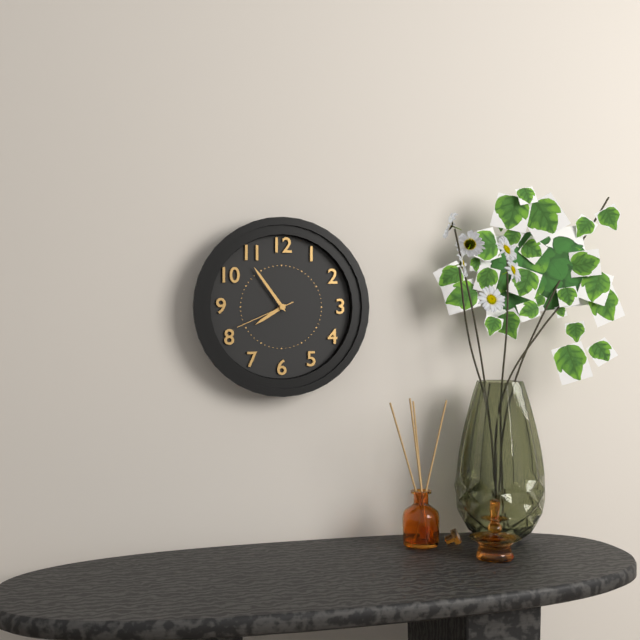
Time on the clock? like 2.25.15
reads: 7.54.41
